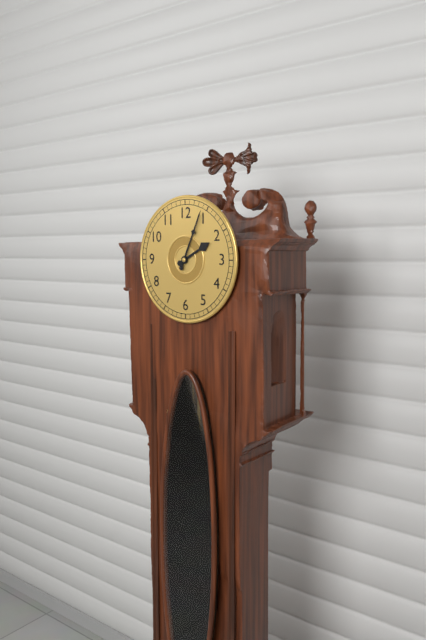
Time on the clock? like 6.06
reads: 2.04
